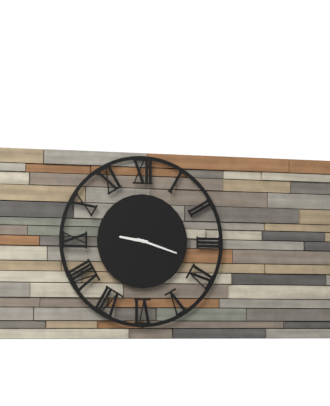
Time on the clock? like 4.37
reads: 9.18
